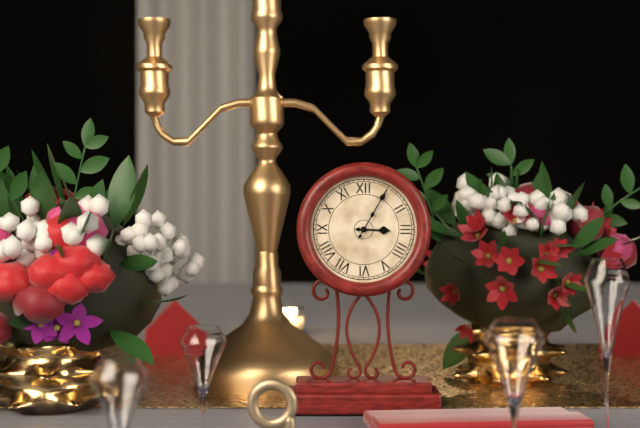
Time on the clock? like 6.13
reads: 3.05
